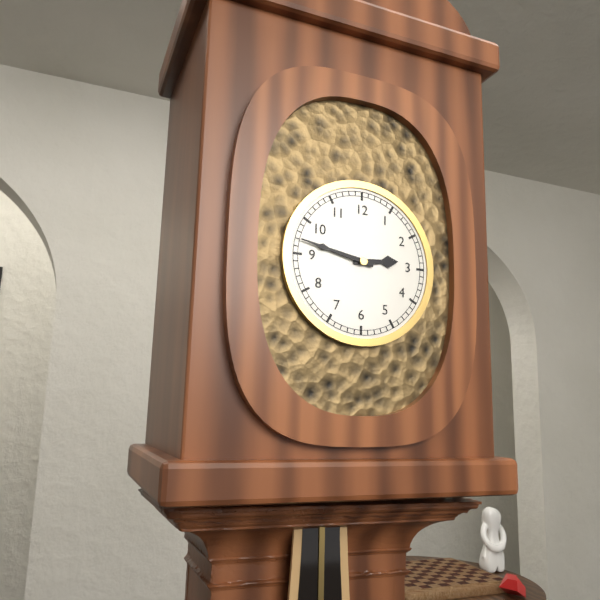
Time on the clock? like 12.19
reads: 2.47
